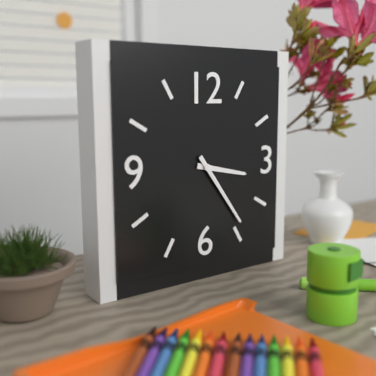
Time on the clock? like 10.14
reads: 3.24
